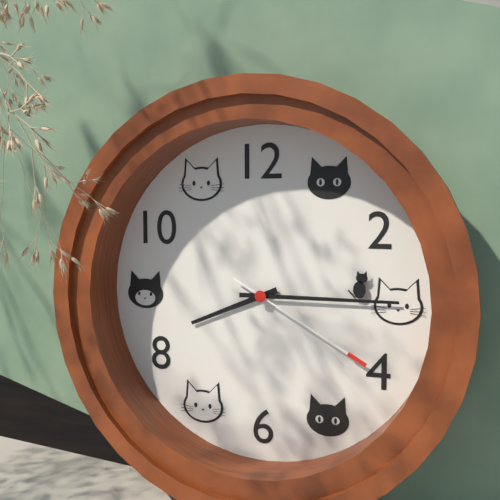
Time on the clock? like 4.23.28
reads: 8.15.20
